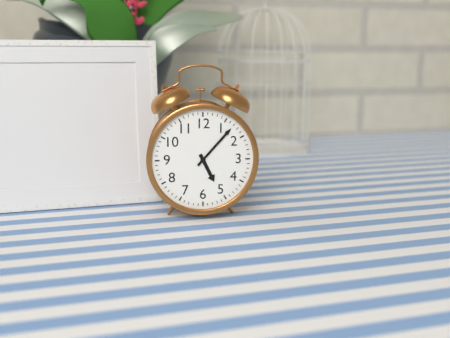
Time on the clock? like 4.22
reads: 5.07
